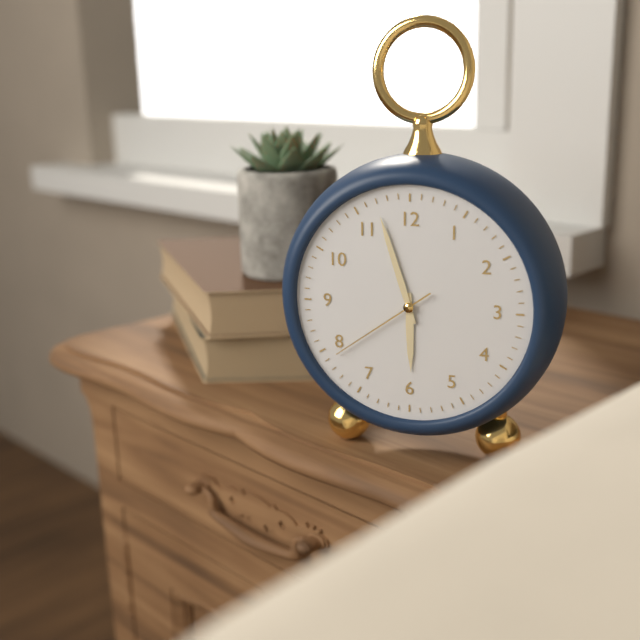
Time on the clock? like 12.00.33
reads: 5.57.39
